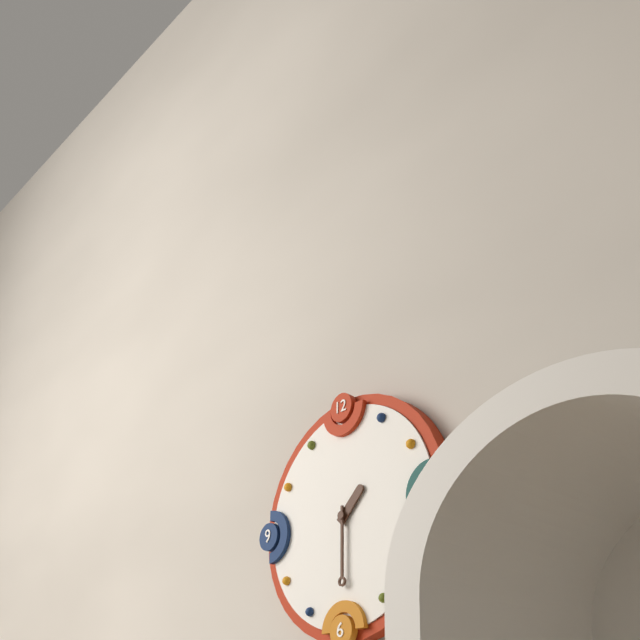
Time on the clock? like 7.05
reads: 1.30
